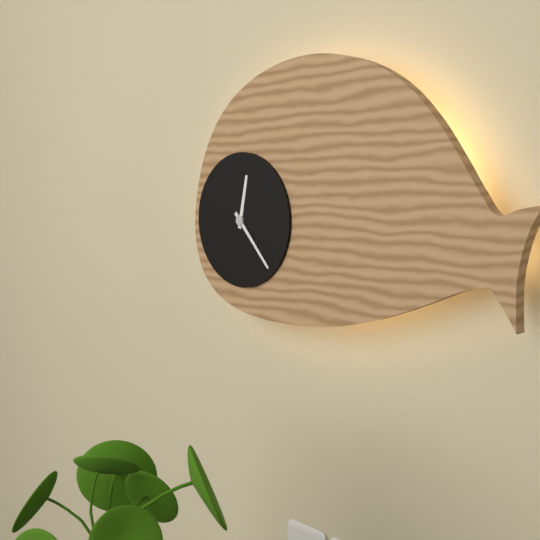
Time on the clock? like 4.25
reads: 12.23
